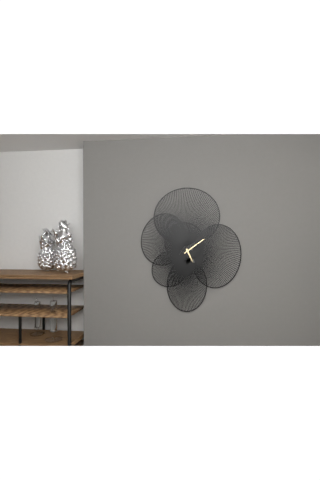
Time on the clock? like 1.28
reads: 5.09
